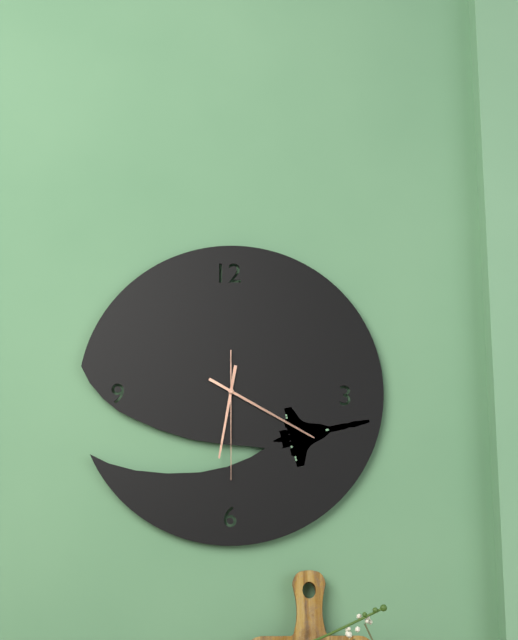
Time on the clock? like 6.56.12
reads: 6.20.30
